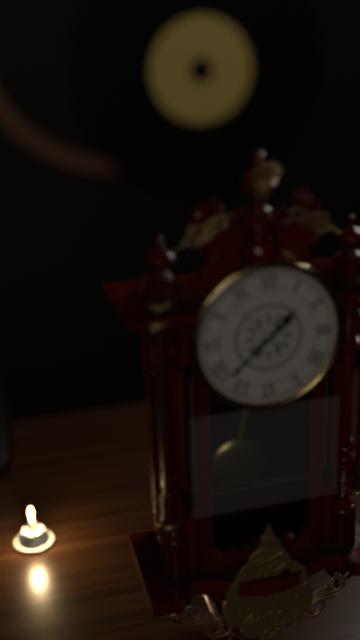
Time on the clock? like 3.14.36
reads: 1.38.53
